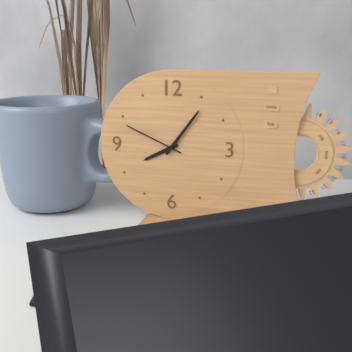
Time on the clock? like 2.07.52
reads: 8.06.49
